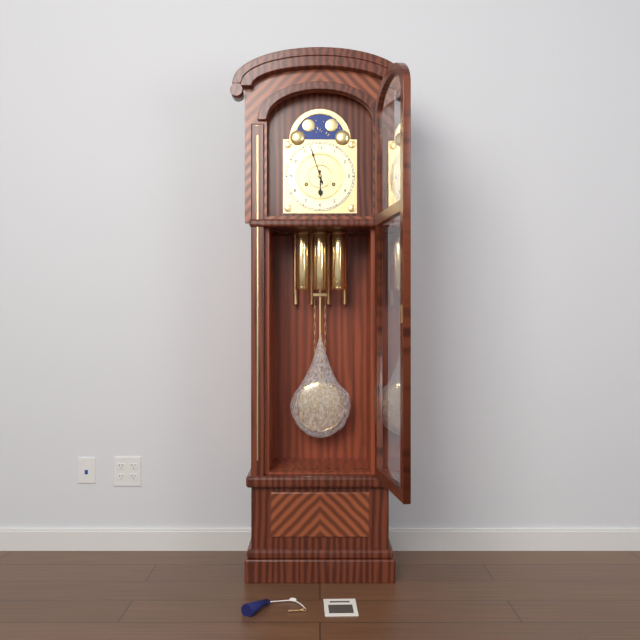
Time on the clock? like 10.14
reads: 5.57
